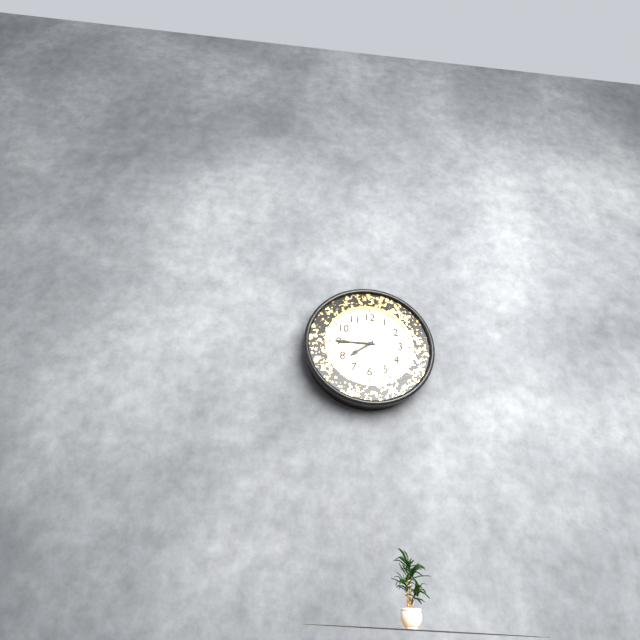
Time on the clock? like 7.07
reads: 7.45
